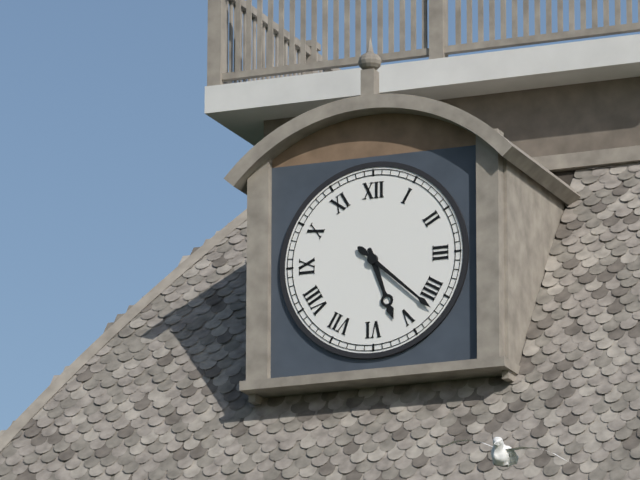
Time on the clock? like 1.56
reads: 5.22
